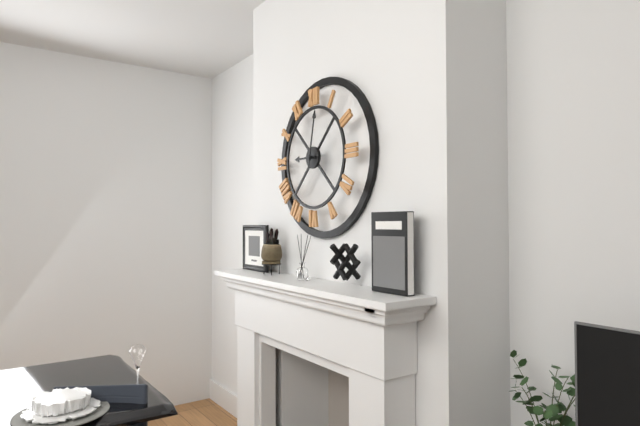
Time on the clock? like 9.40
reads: 9.02
